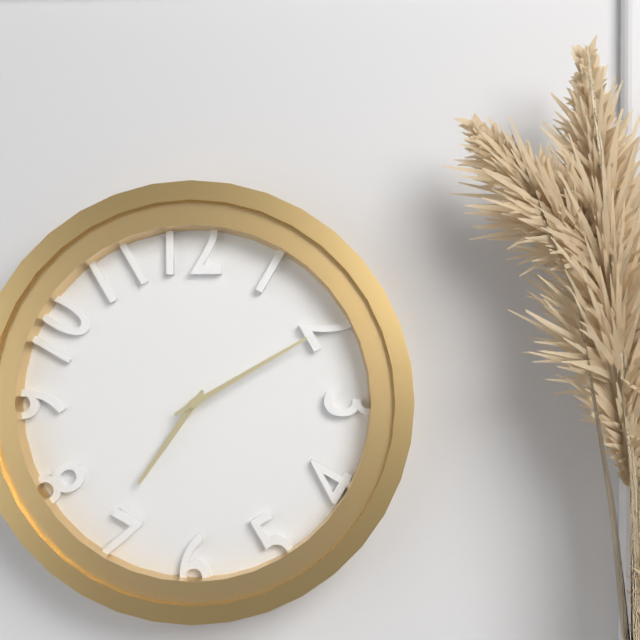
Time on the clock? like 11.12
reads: 7.10
